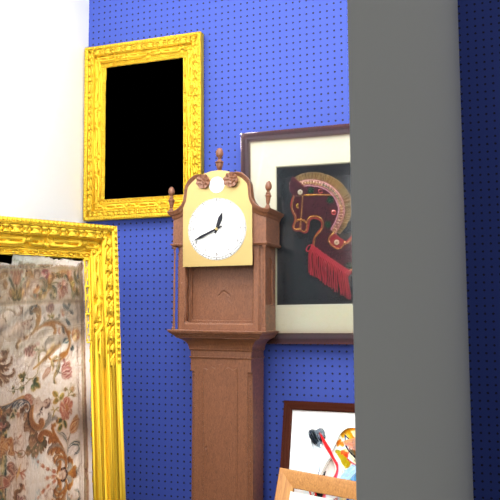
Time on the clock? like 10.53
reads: 12.41
